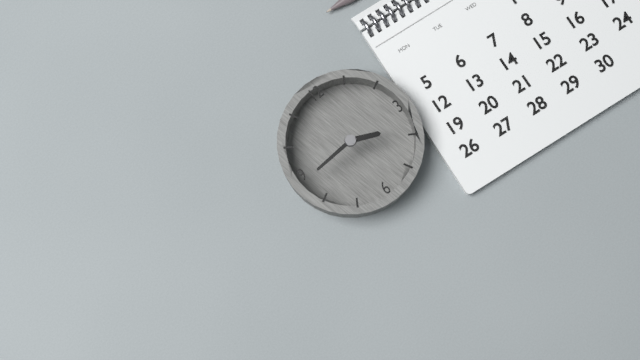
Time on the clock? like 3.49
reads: 3.44
